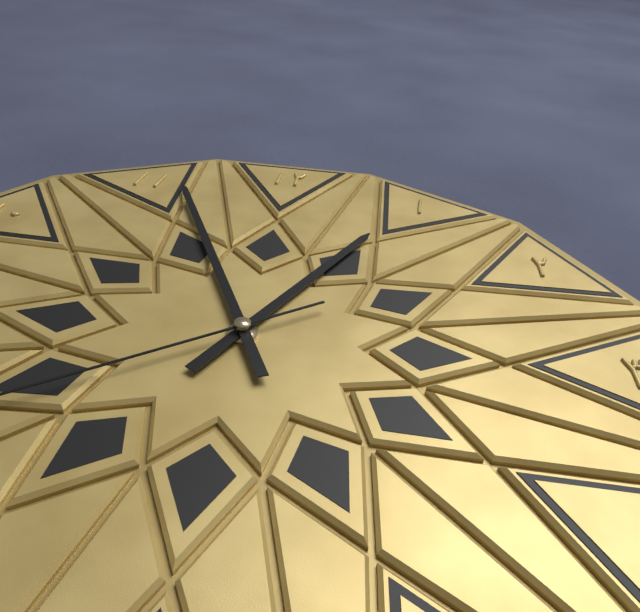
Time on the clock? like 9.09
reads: 12.56
